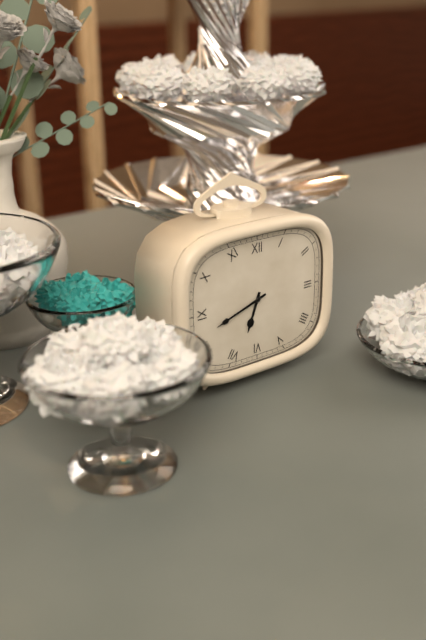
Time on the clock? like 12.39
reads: 6.42
